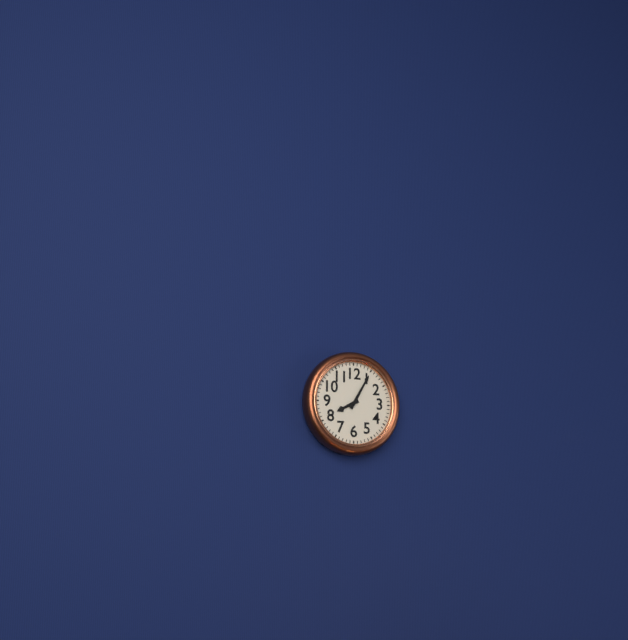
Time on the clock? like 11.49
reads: 8.05
